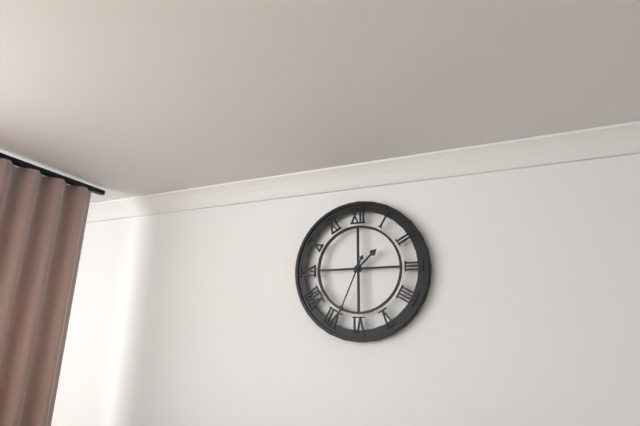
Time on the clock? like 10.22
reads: 1.34
